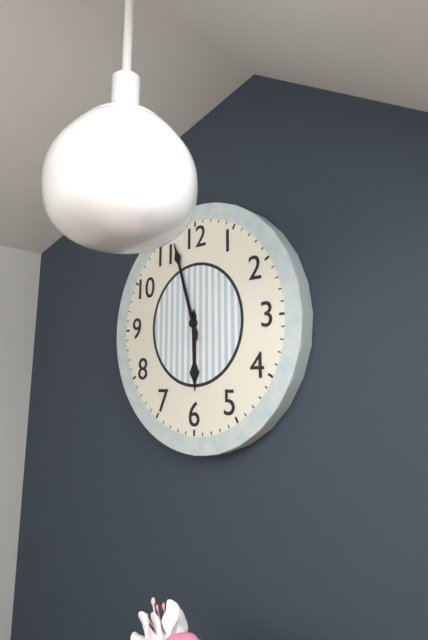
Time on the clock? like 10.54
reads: 5.57
